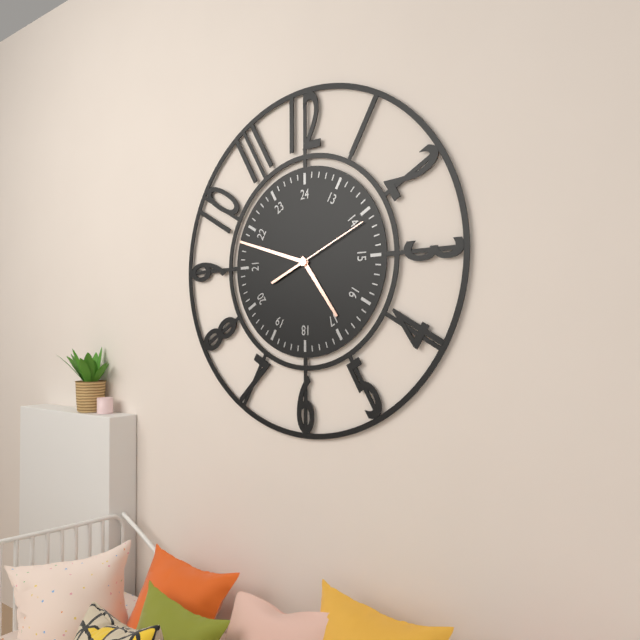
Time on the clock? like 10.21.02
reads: 4.48.11
